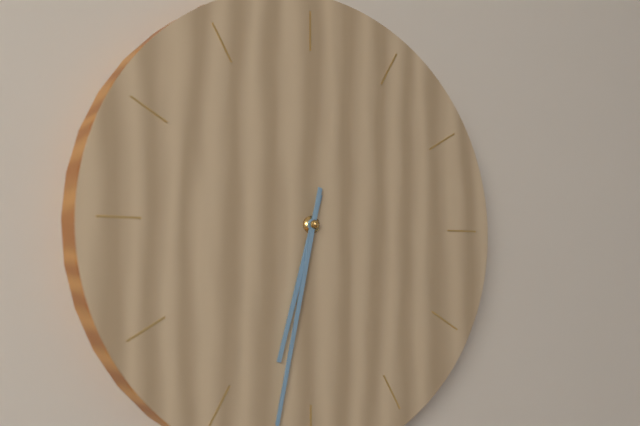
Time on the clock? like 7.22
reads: 6.32
